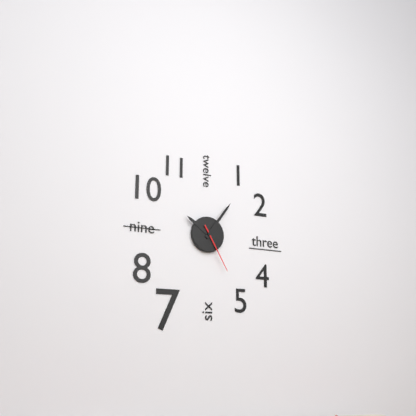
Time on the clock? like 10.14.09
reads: 10.06.25
